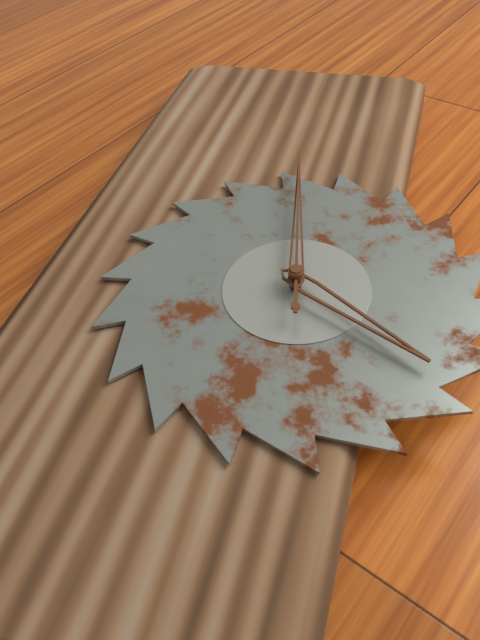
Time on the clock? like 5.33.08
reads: 3.58.58
